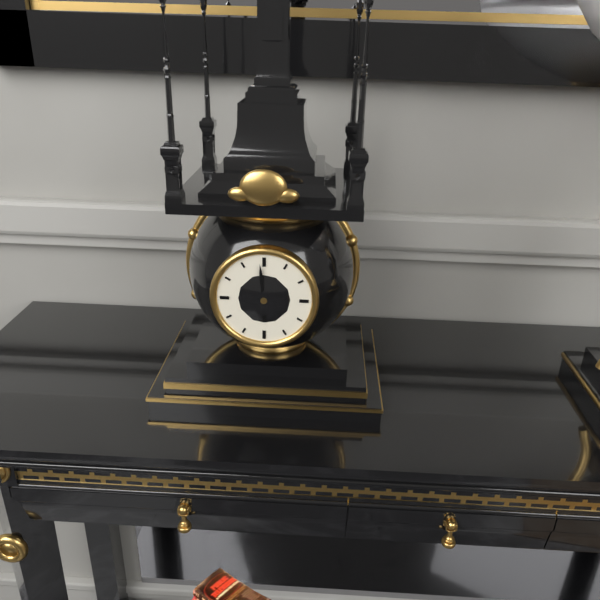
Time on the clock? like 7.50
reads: 5.59
